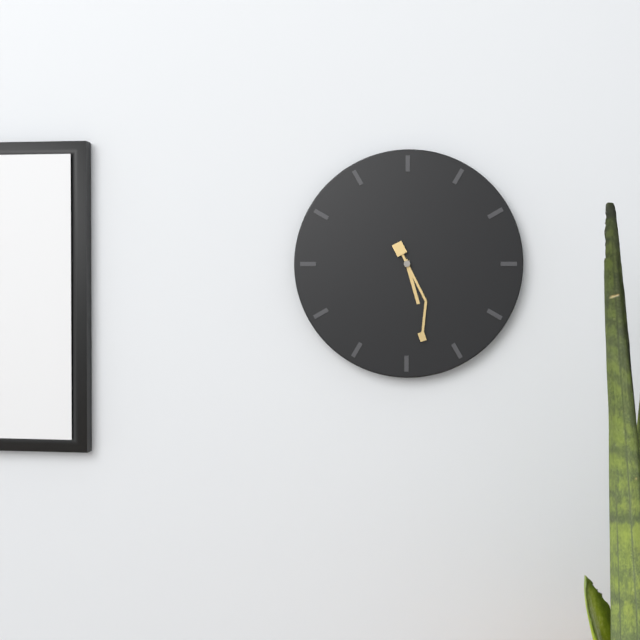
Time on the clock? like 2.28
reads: 5.28
